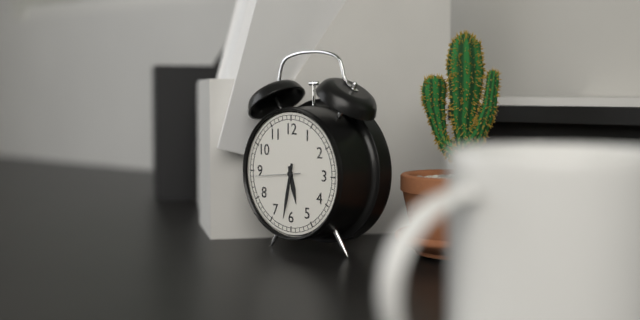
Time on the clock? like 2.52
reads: 5.32
